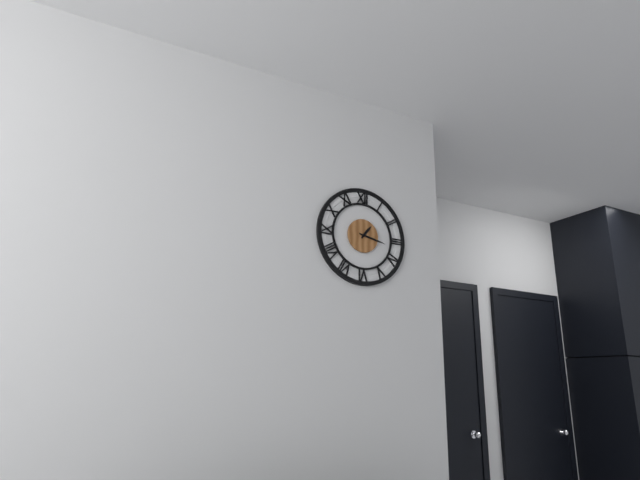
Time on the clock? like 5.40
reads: 1.17
